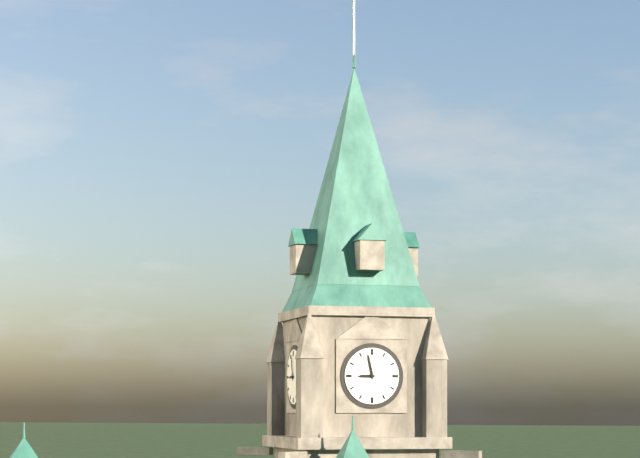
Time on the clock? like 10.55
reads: 8.58
